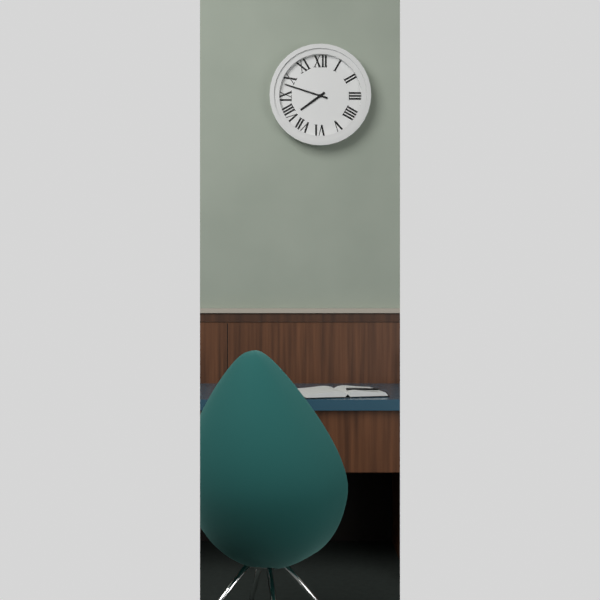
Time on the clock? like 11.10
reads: 7.48
